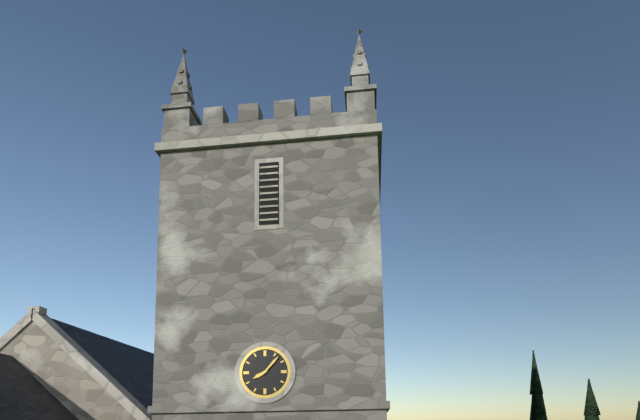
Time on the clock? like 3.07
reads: 8.07
